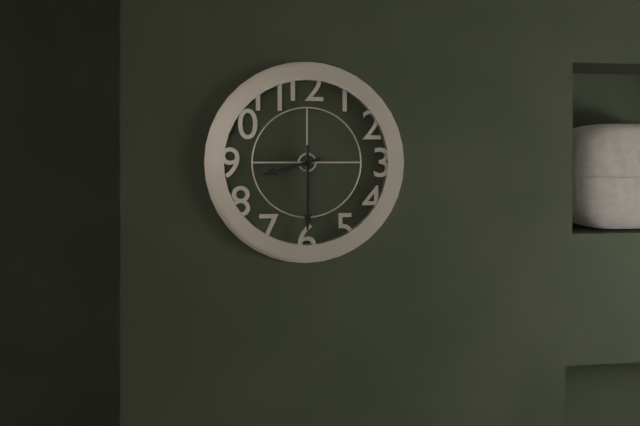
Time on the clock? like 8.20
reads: 8.30
